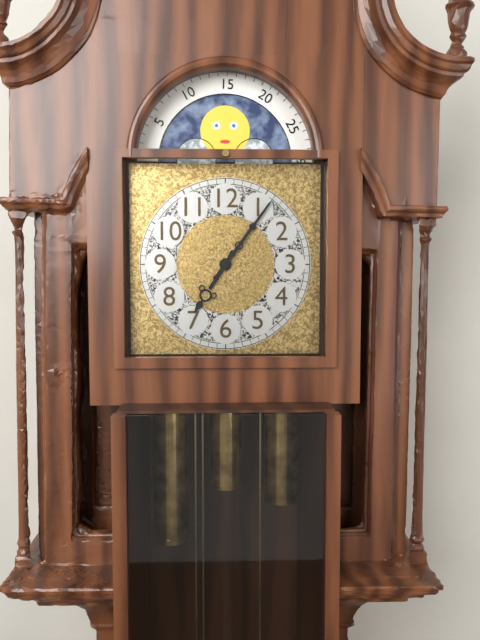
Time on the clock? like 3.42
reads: 7.06
